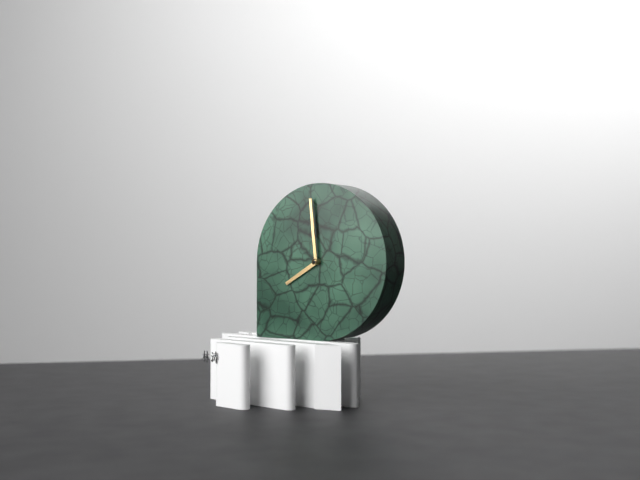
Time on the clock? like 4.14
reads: 7.59
